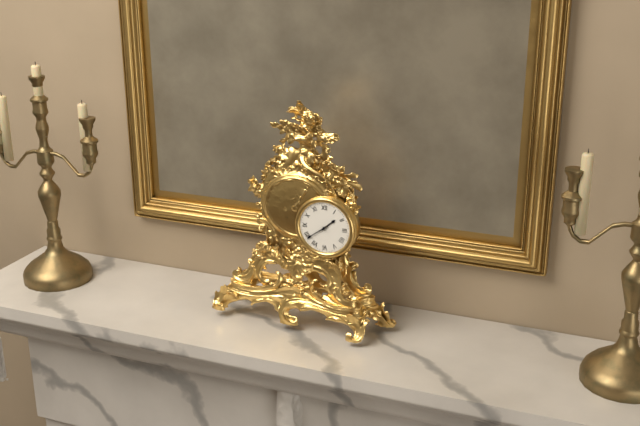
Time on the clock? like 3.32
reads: 1.39
